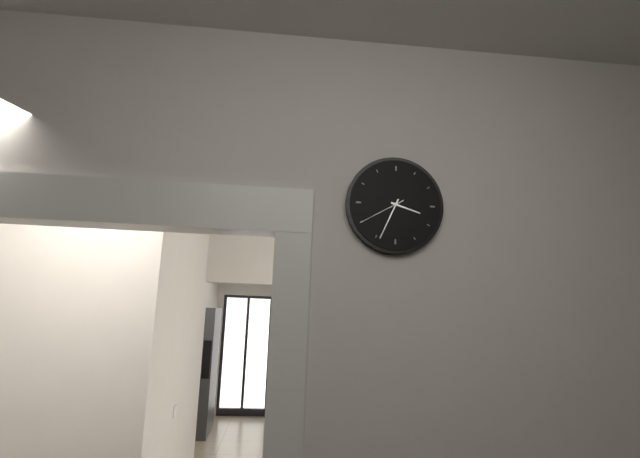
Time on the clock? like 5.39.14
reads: 3.34.40
